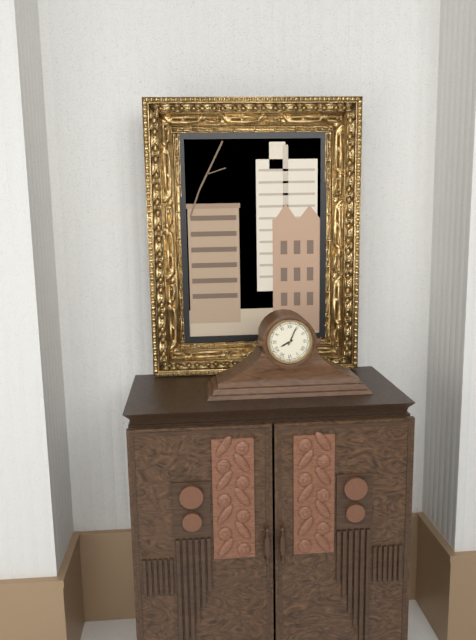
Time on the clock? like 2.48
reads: 8.04
